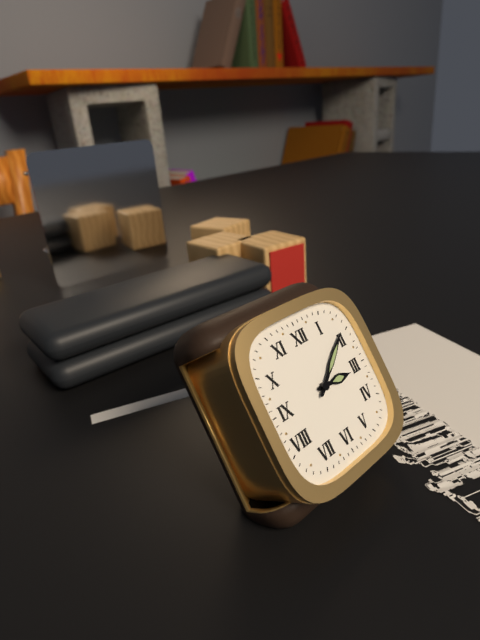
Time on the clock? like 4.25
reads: 3.09
